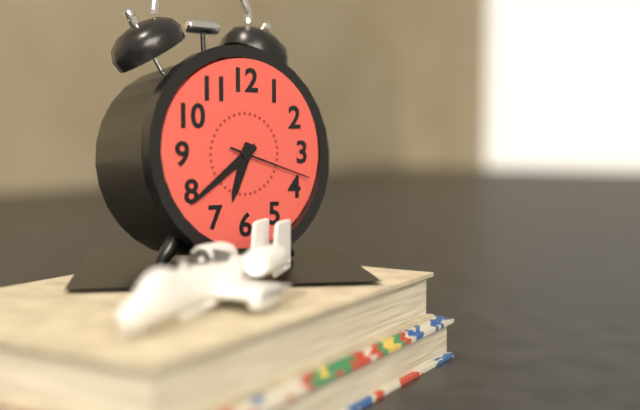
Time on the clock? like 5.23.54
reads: 6.39.18
